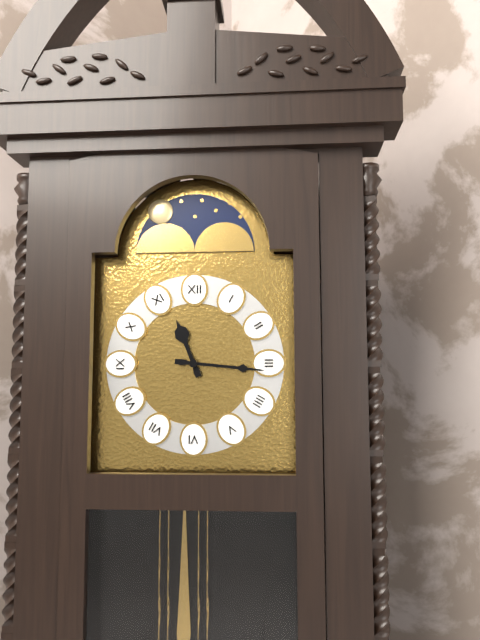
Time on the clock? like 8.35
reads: 11.16
